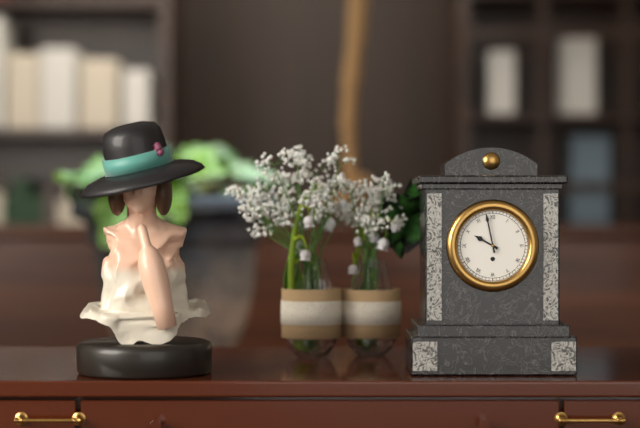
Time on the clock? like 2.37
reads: 9.58
